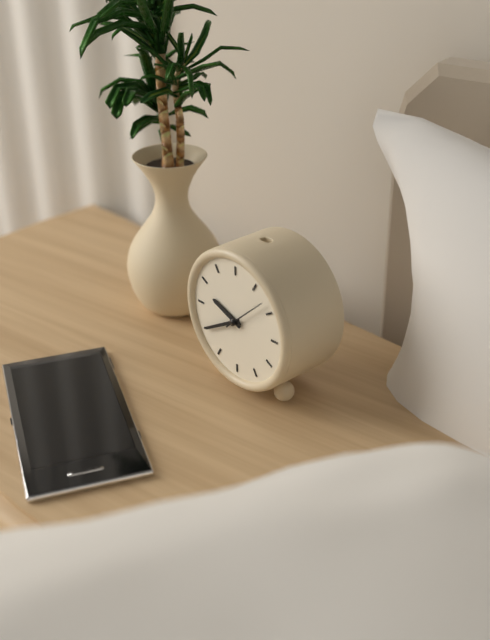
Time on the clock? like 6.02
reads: 9.40
